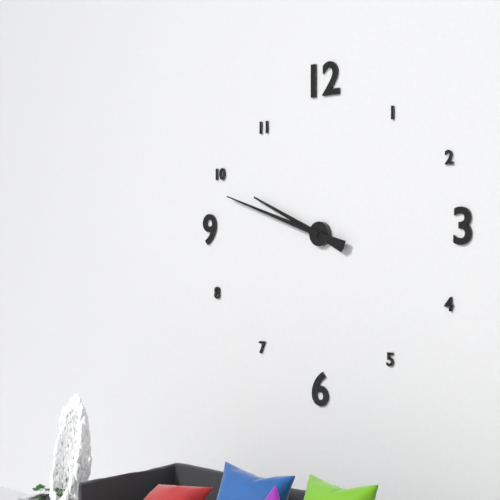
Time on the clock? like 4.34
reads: 9.48
